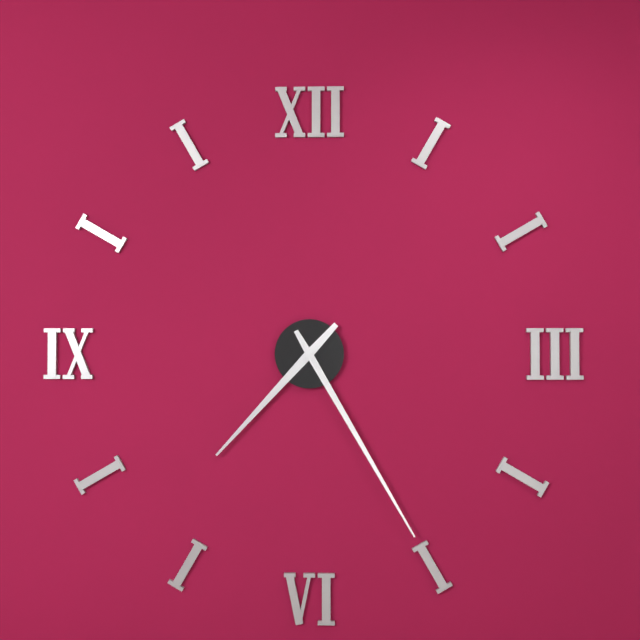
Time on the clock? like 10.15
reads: 7.25
